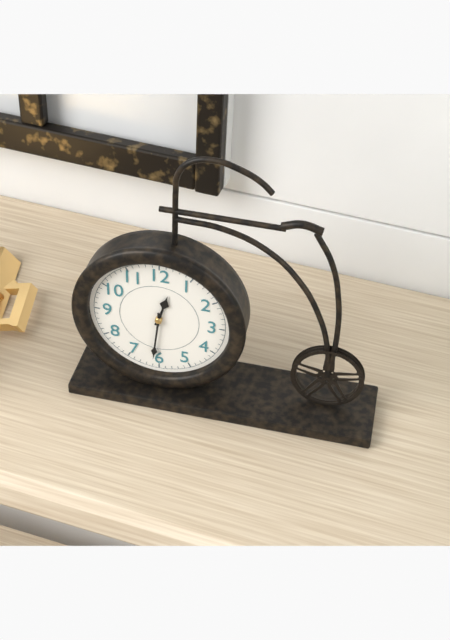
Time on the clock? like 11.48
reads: 12.31
